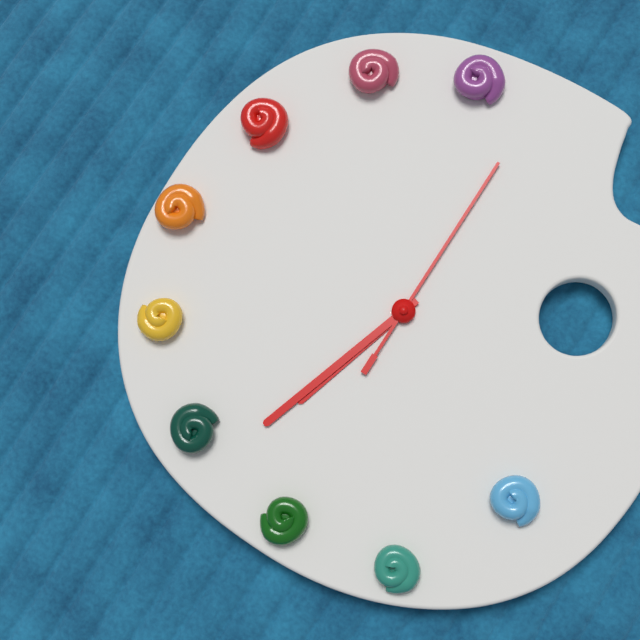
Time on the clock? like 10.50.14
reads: 6.33.00
